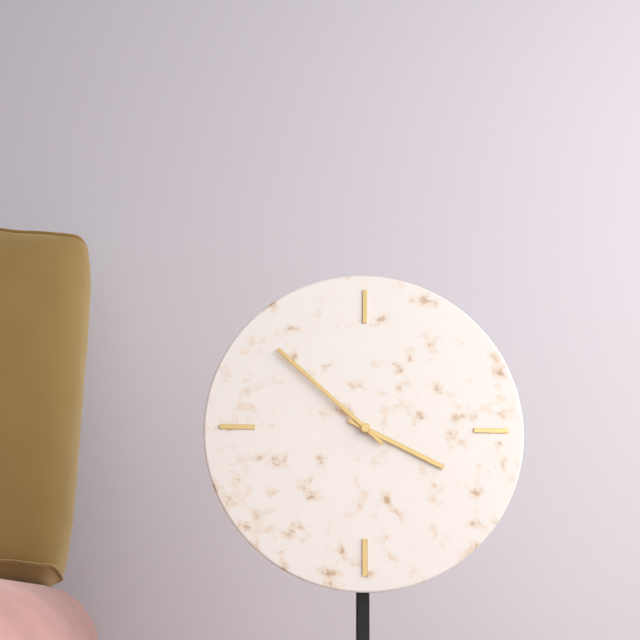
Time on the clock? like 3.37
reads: 3.52
